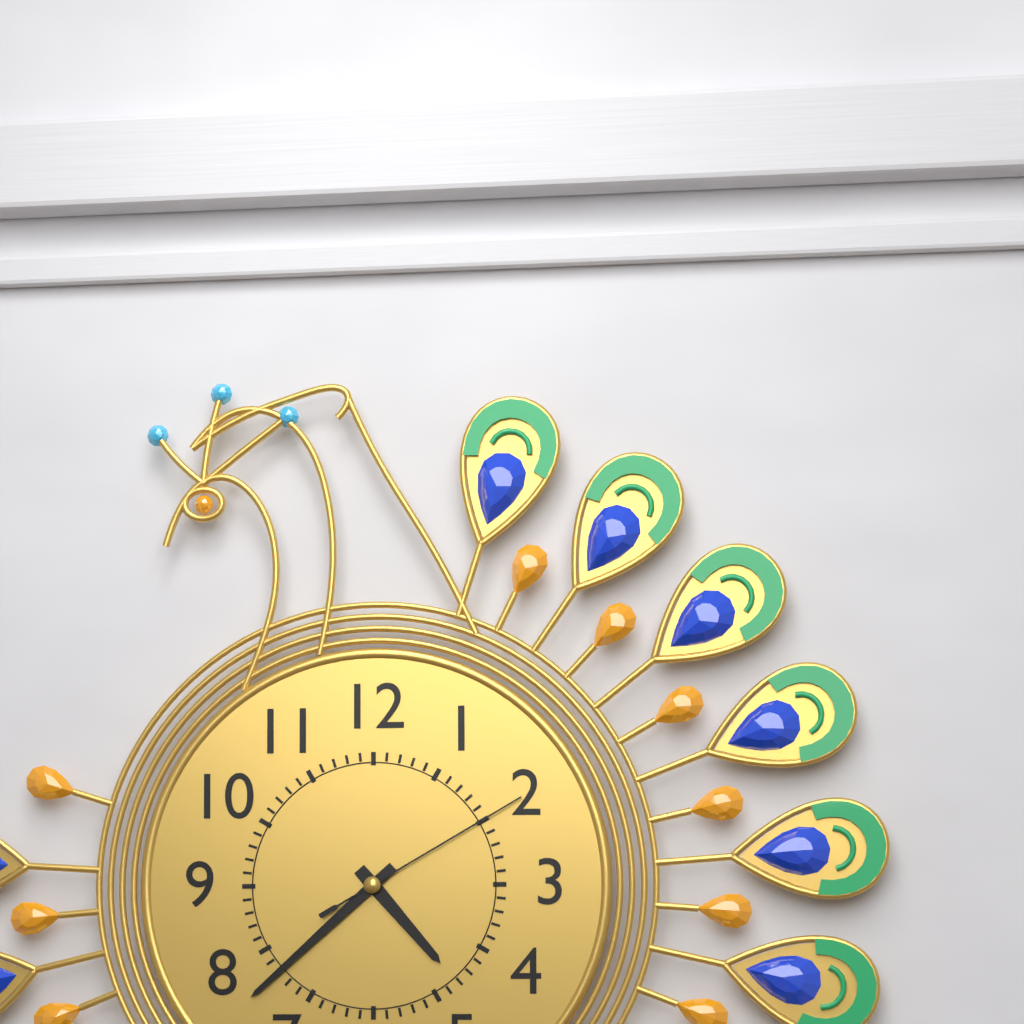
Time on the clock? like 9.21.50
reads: 4.38.10
